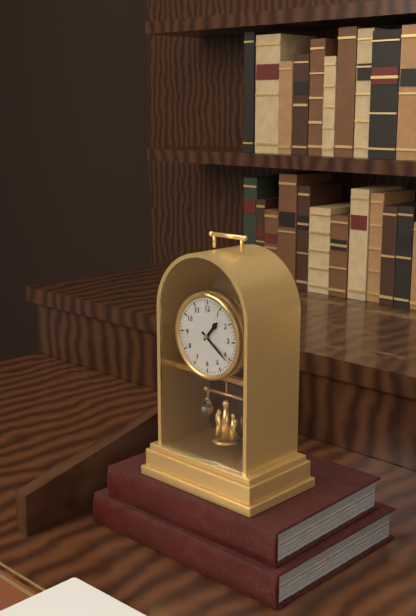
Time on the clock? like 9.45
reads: 1.21
